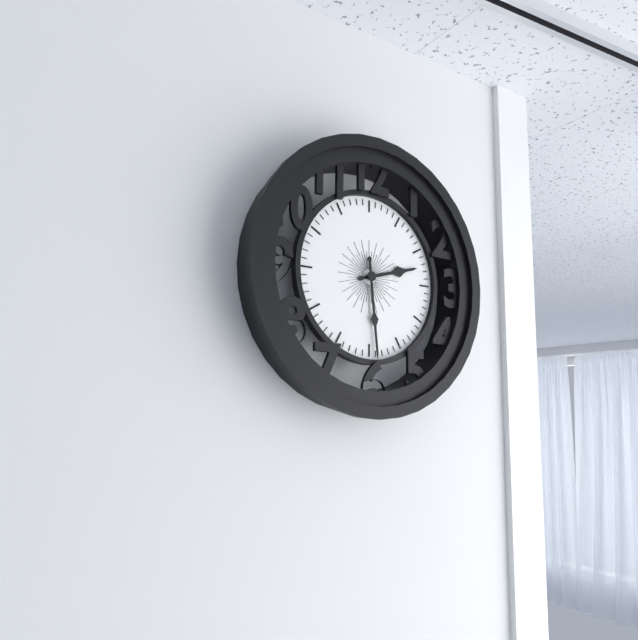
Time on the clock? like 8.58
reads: 2.29
